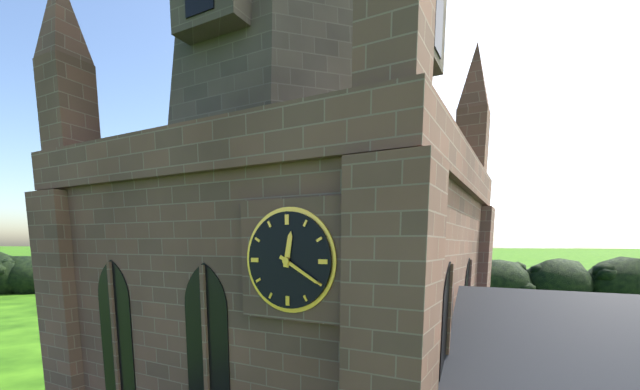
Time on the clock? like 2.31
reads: 12.20
